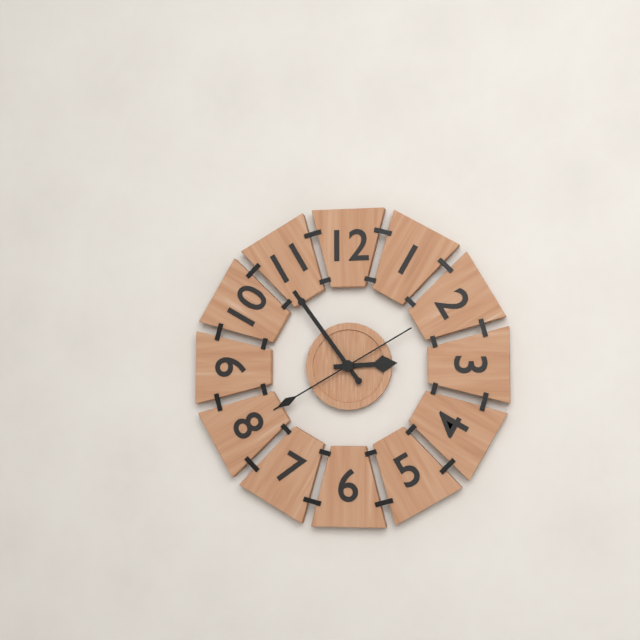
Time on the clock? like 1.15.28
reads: 2.54.40
